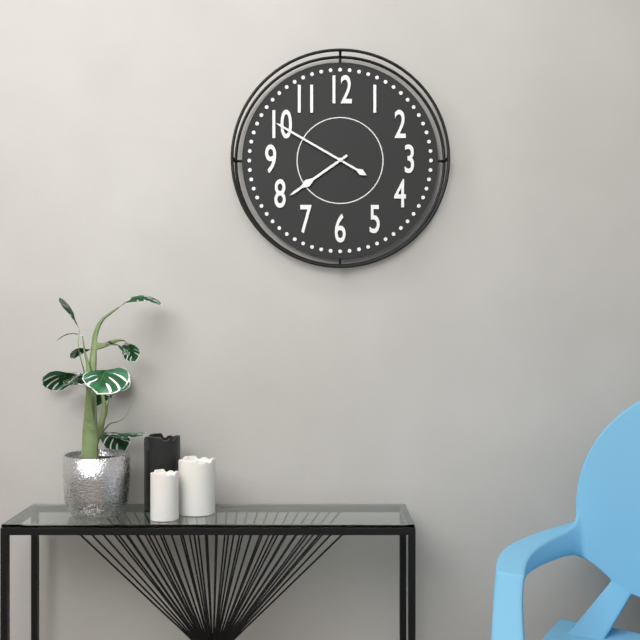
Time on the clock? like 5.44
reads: 7.50
